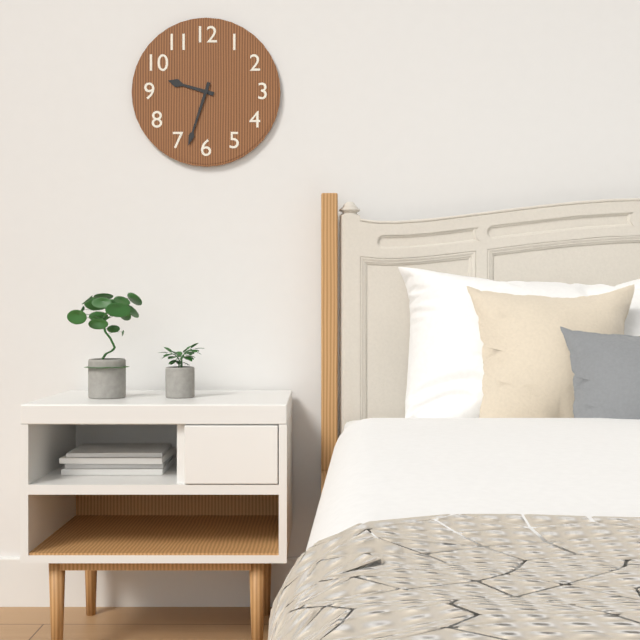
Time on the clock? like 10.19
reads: 9.33
